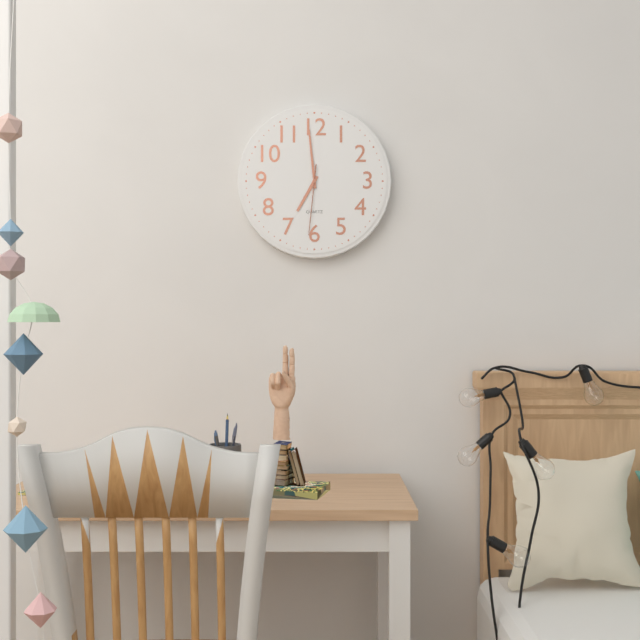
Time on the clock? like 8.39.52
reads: 6.59.31
